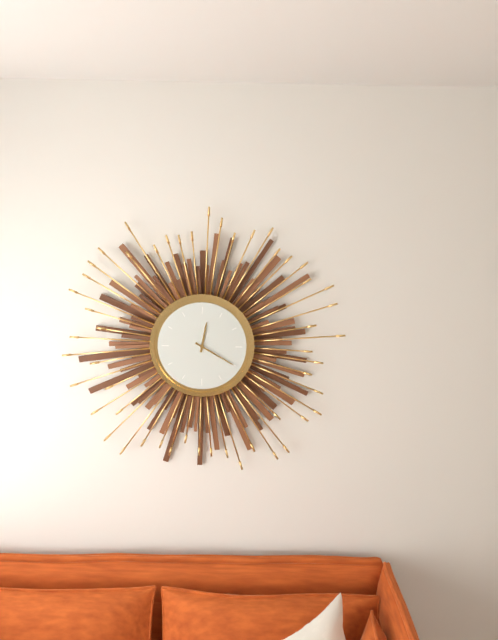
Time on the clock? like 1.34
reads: 12.20
